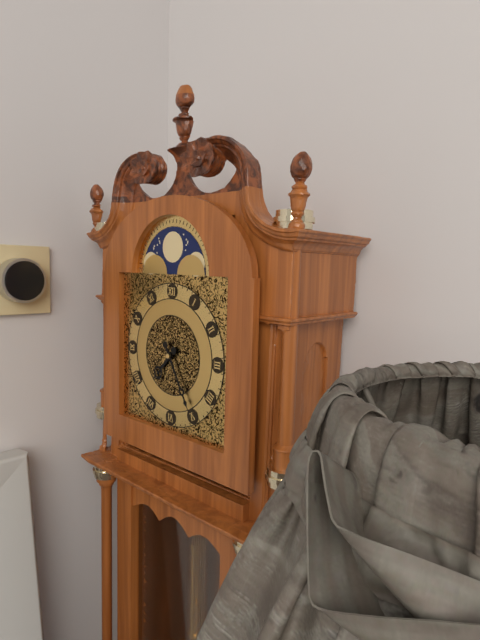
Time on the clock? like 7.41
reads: 7.25
